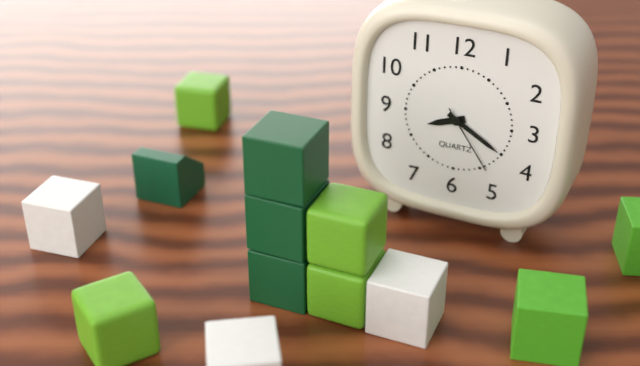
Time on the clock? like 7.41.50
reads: 8.20.24
